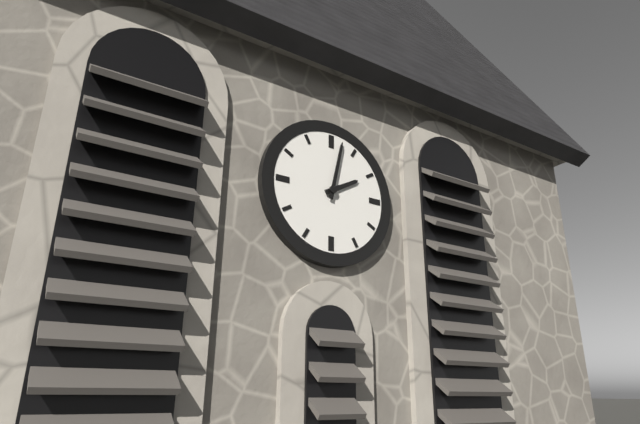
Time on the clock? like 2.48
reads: 2.02
